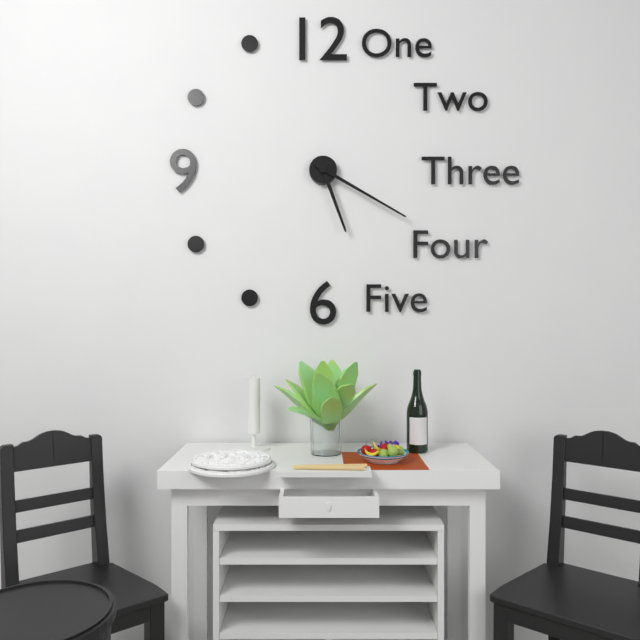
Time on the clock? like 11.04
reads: 5.20
